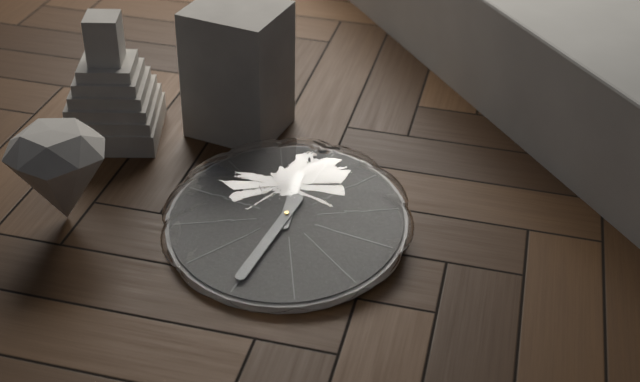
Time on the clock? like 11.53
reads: 11.30
